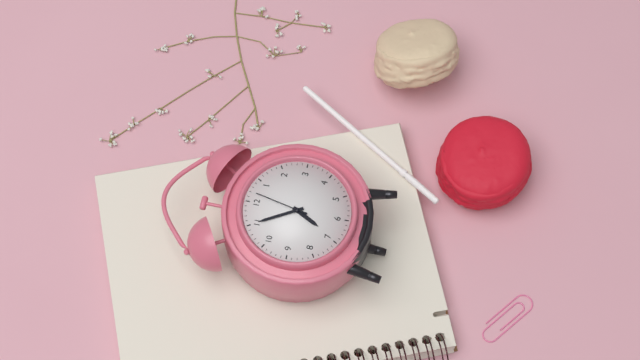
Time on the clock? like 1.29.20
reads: 6.55.02
